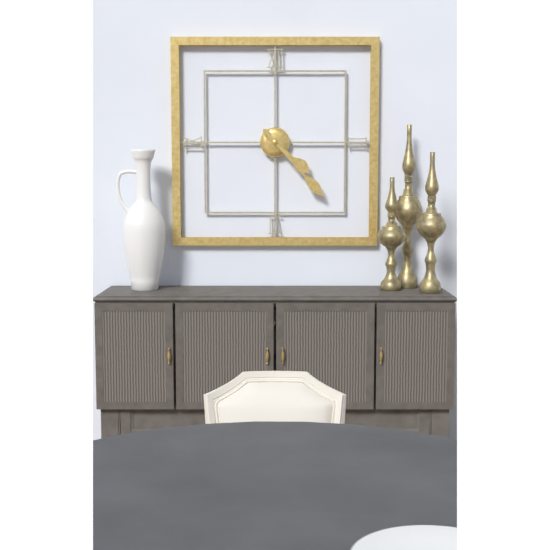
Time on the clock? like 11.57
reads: 4.23
